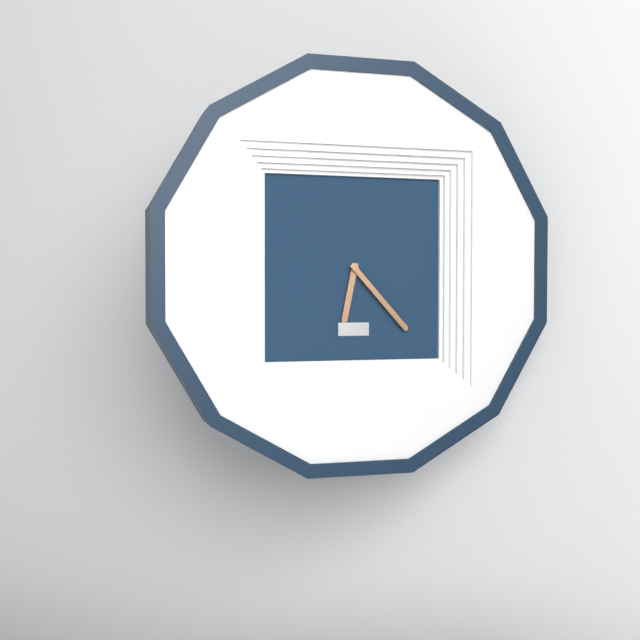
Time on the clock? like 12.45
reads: 6.23
